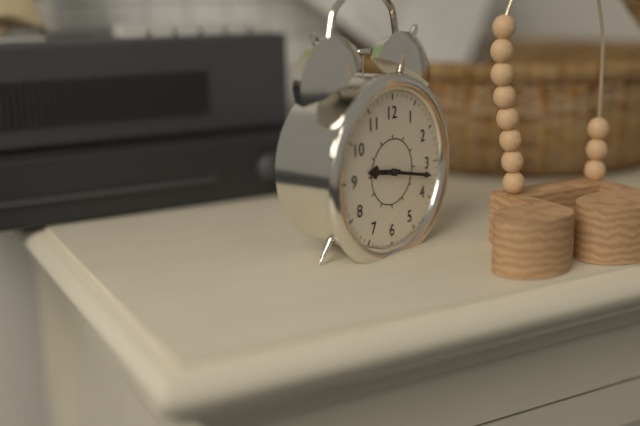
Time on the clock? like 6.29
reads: 9.17
